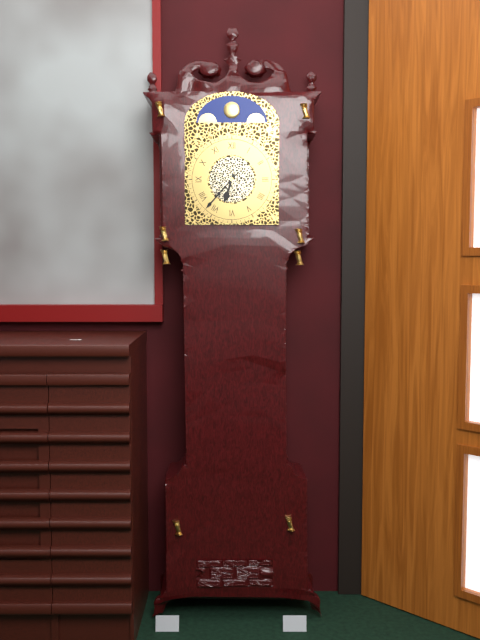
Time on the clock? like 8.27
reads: 6.37
